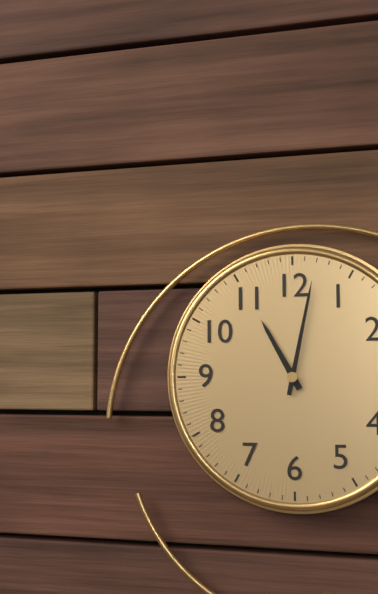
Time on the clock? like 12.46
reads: 11.02
